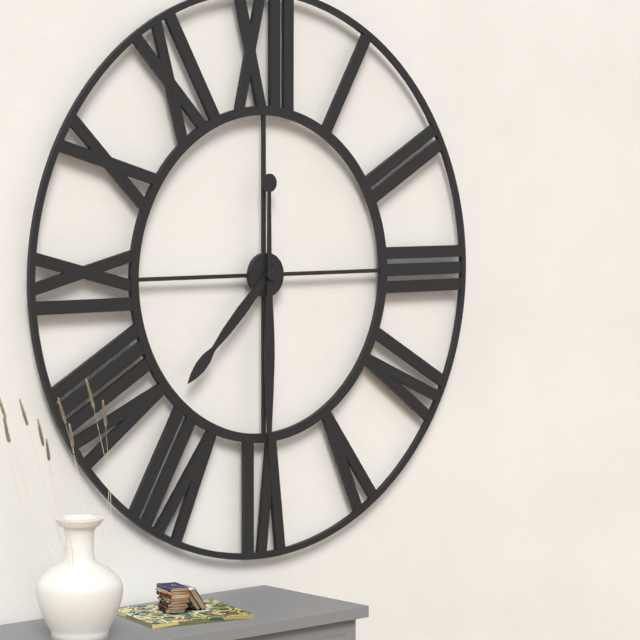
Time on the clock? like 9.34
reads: 7.30
